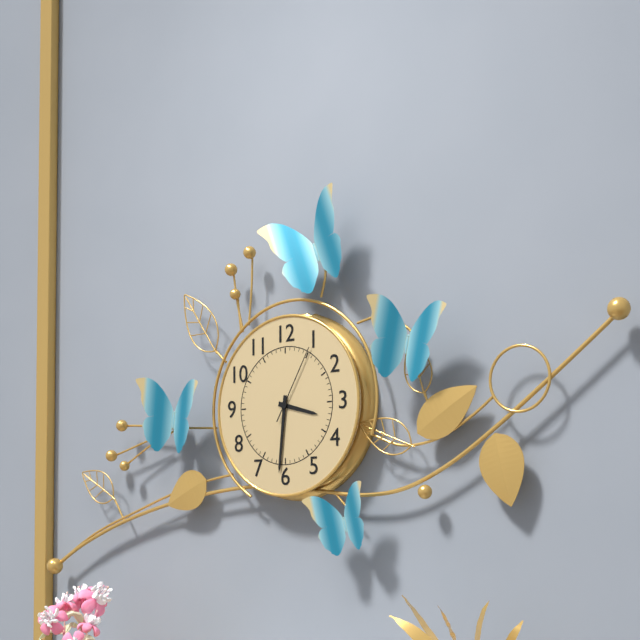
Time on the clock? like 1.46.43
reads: 3.31.05
